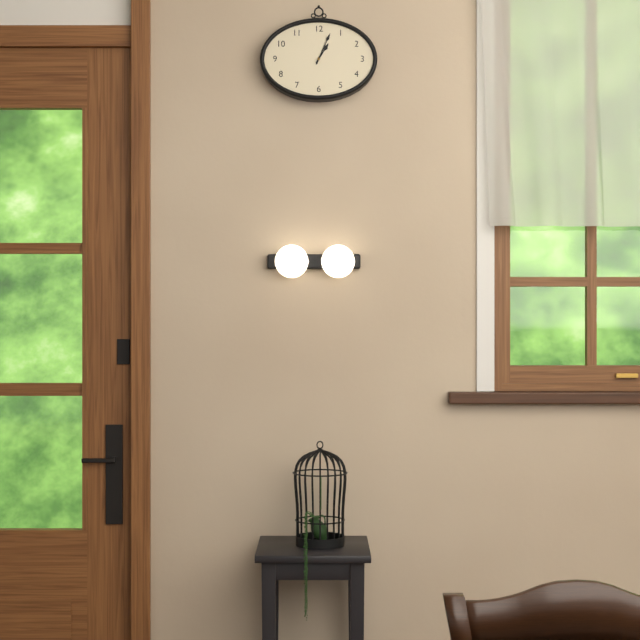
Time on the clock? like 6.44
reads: 1.04
